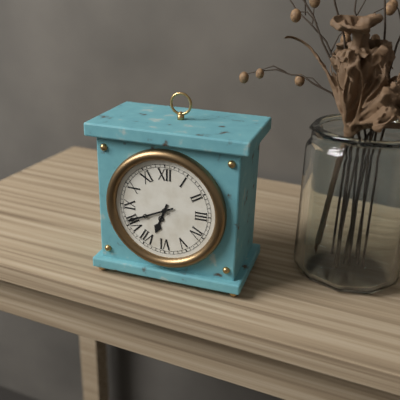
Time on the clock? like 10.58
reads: 6.41
